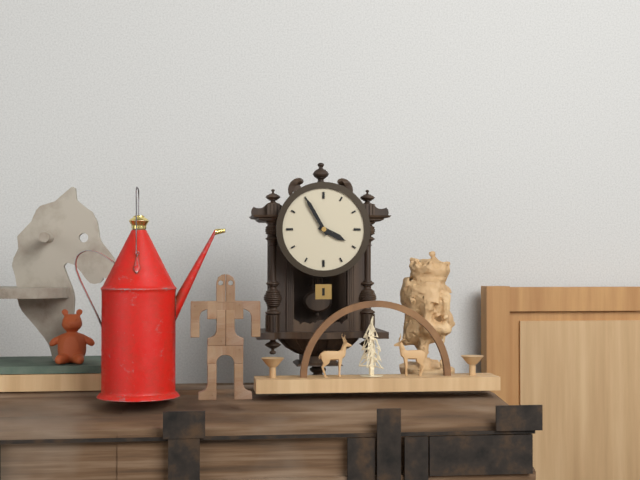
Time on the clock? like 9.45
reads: 3.55
